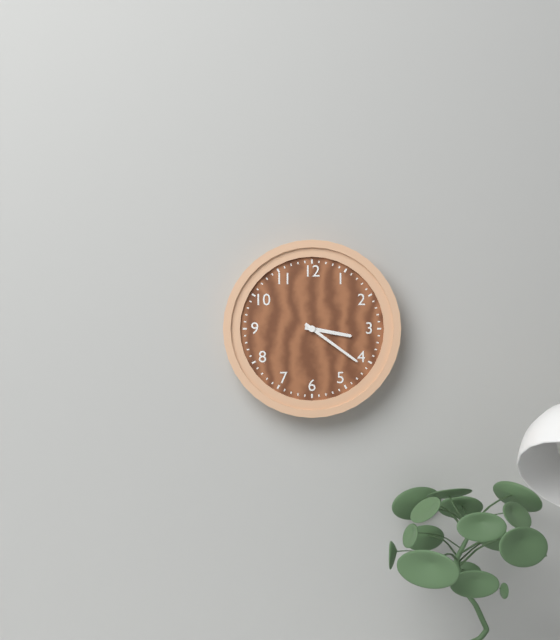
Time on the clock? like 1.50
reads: 3.21
